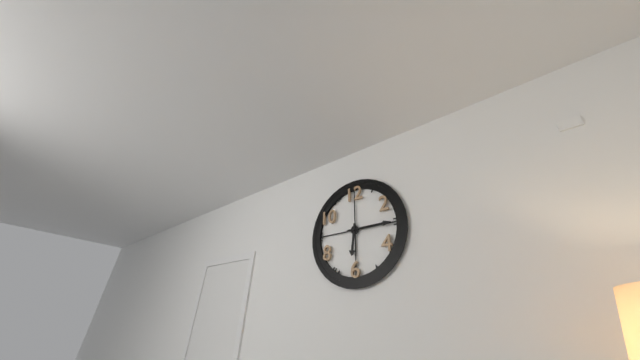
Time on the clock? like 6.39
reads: 6.15
